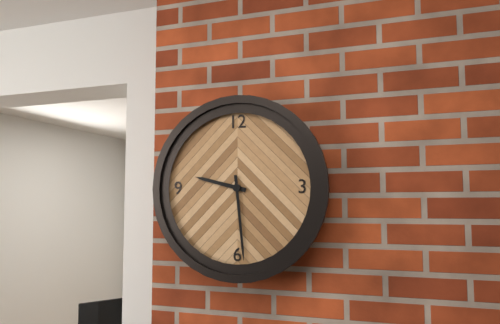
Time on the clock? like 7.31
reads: 9.29
